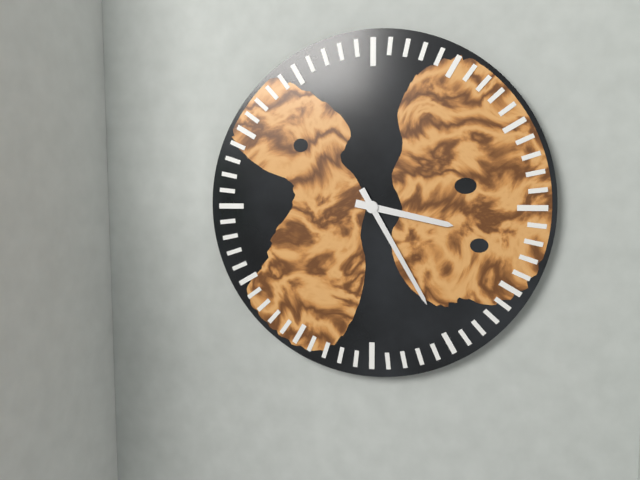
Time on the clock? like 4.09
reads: 3.25
